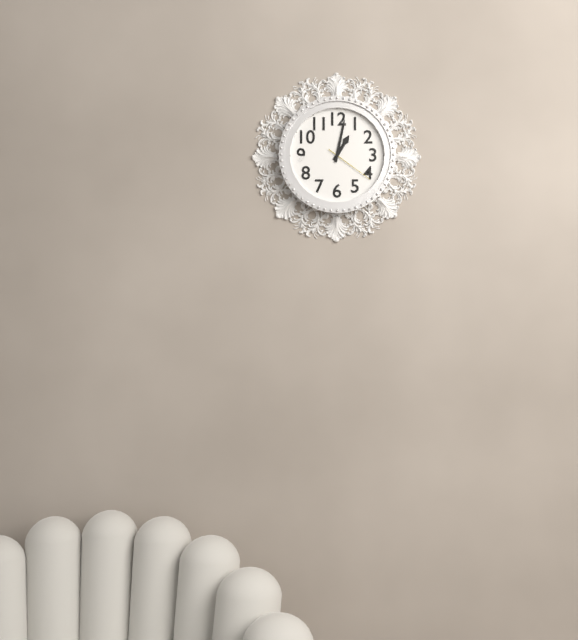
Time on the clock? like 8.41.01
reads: 1.02.21
